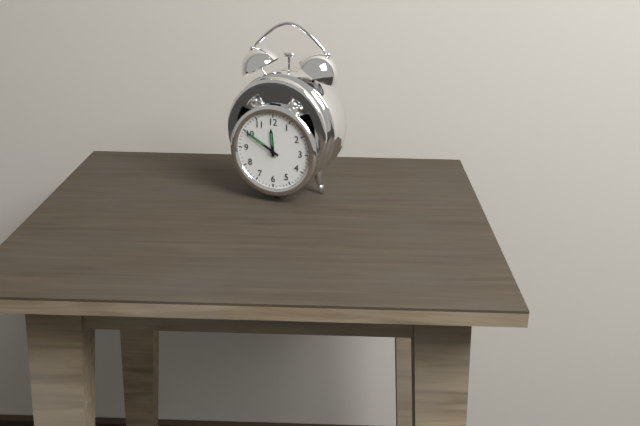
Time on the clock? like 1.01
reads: 11.50
